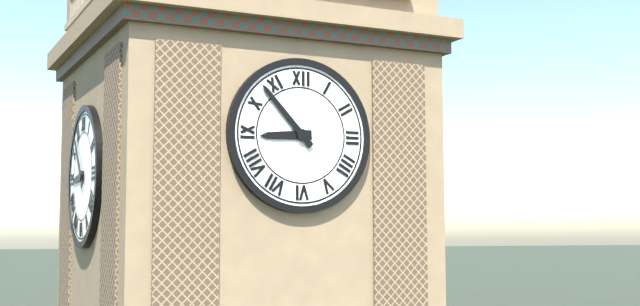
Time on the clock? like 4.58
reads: 8.53
